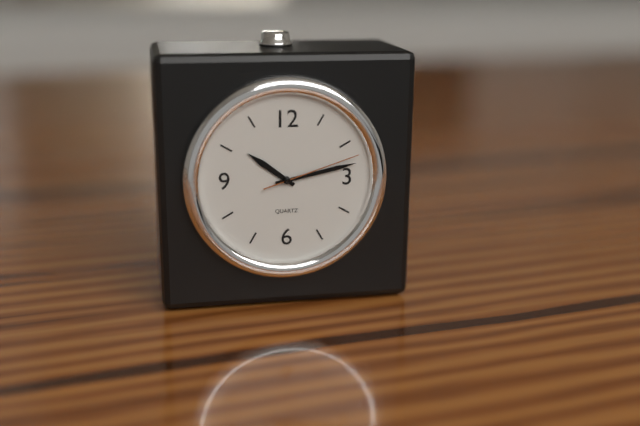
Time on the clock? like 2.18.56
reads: 10.13.12
